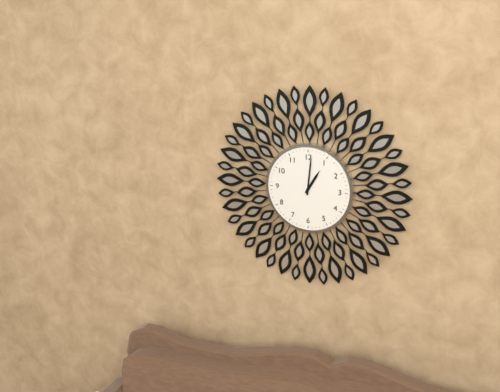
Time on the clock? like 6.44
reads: 1.01
